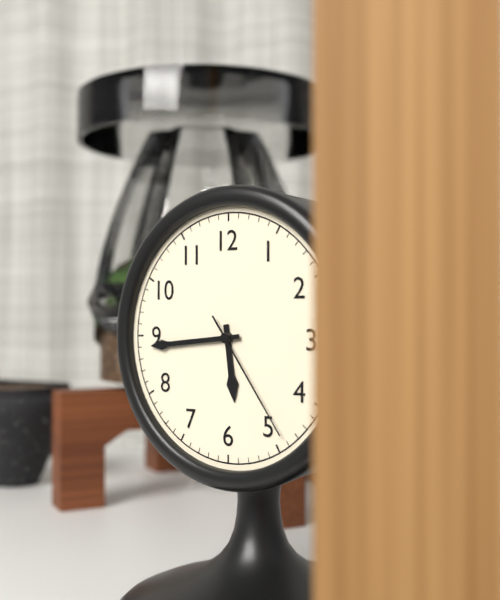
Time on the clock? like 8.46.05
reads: 5.44.24
